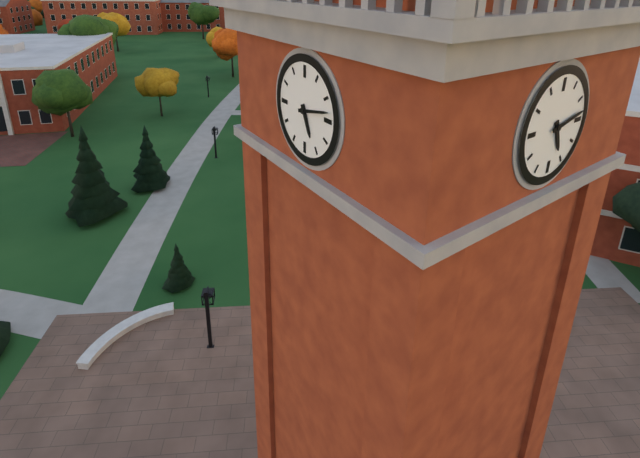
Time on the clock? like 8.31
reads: 5.13
